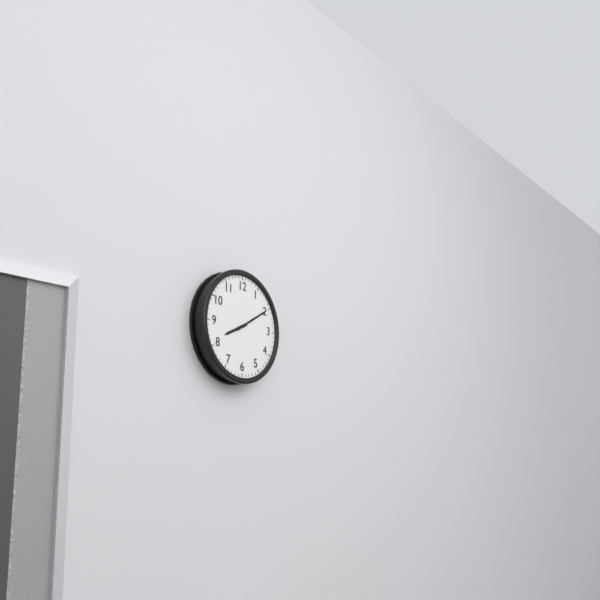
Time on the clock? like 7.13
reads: 8.10
